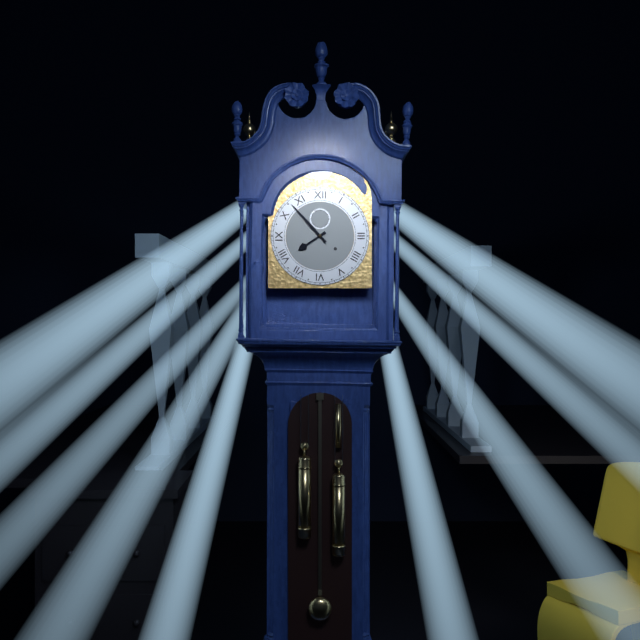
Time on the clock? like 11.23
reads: 7.53
